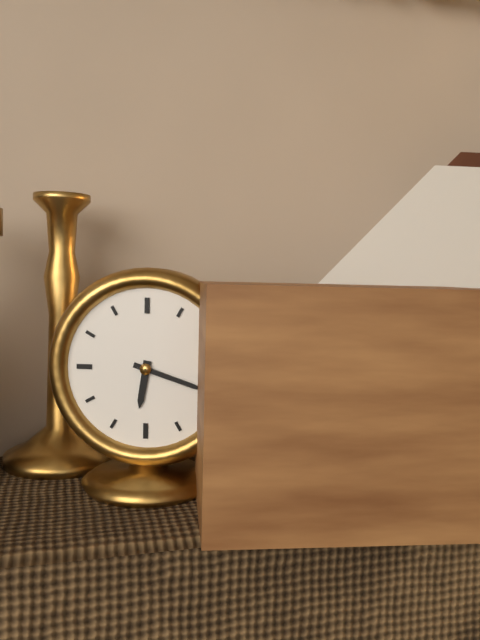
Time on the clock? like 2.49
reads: 6.18
